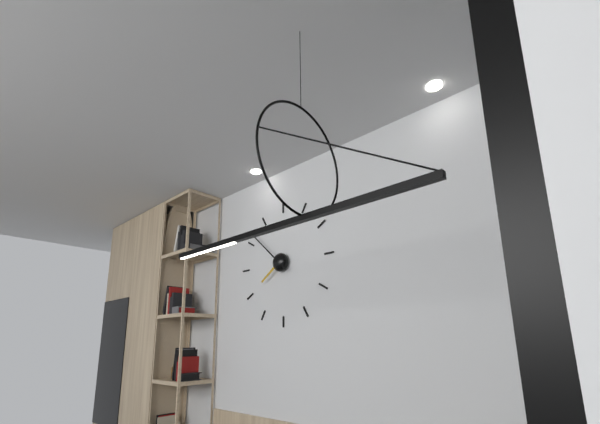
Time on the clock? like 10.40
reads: 7.52
